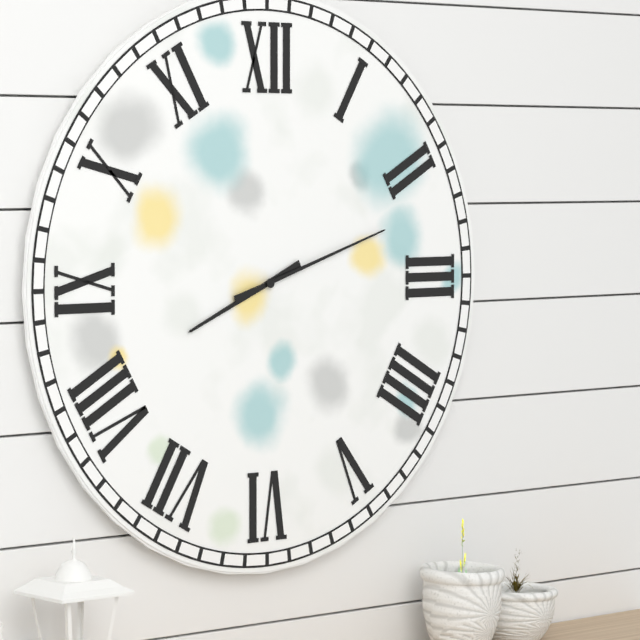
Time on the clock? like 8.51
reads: 8.12
